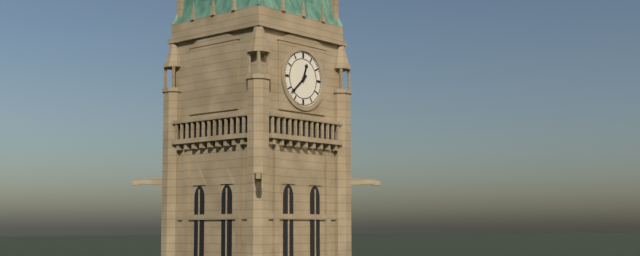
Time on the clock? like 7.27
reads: 12.38
